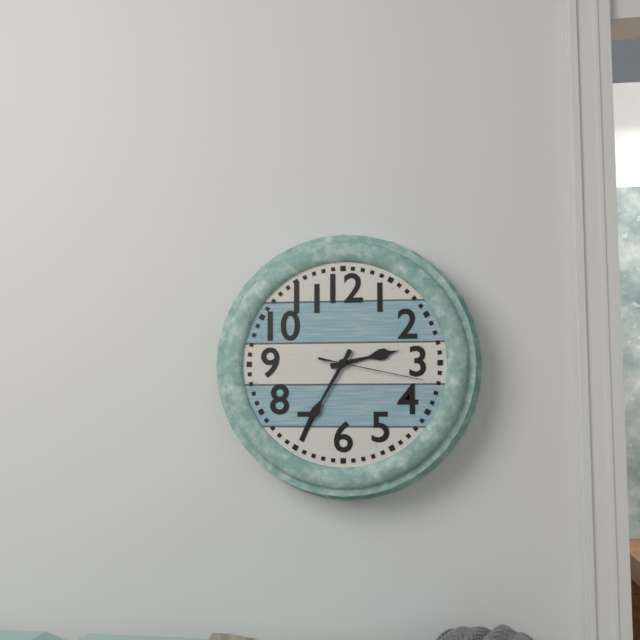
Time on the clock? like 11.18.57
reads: 2.35.17
